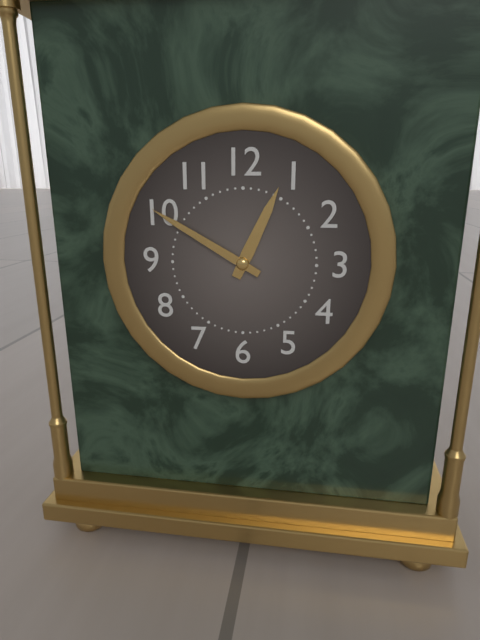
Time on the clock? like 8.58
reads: 12.50
